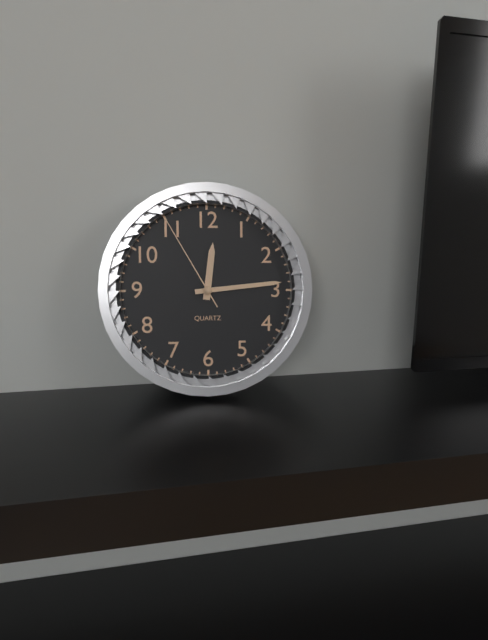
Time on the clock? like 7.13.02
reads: 12.14.55
